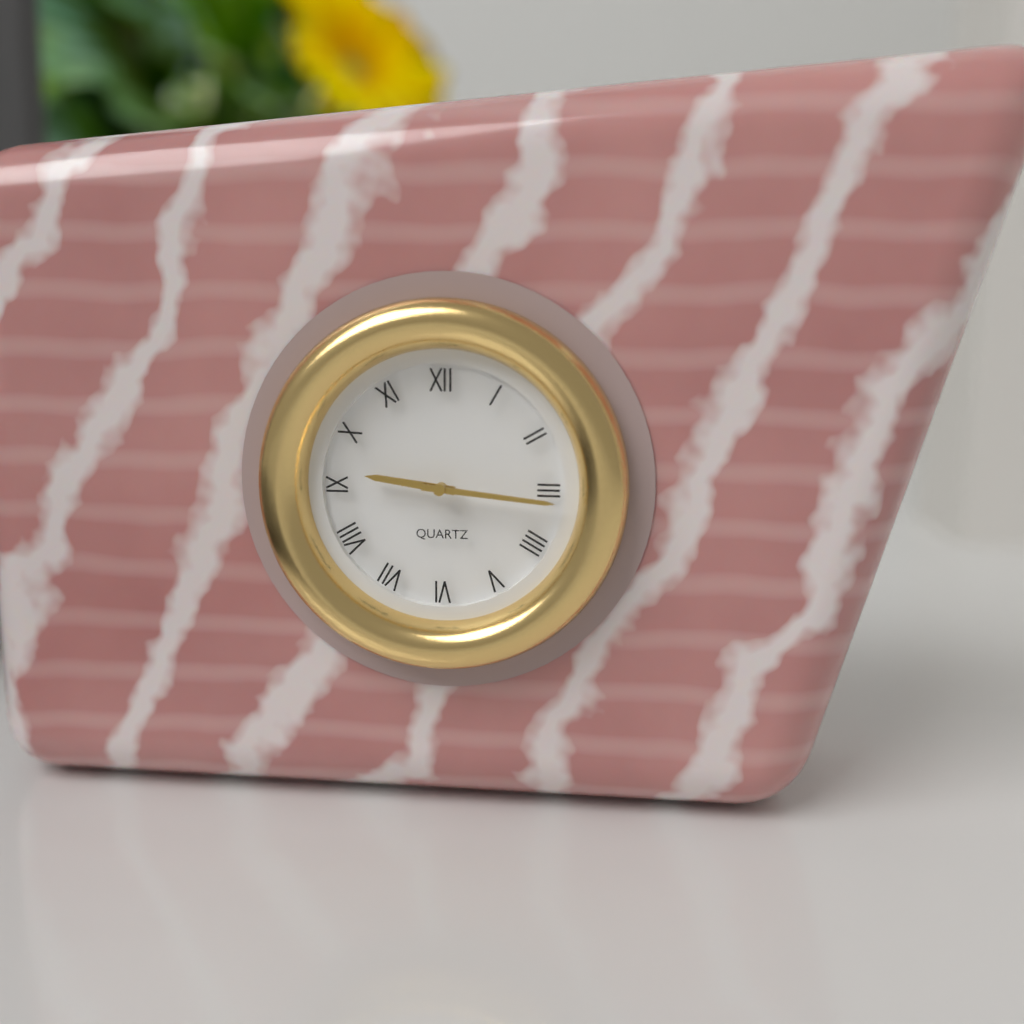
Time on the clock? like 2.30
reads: 9.16
